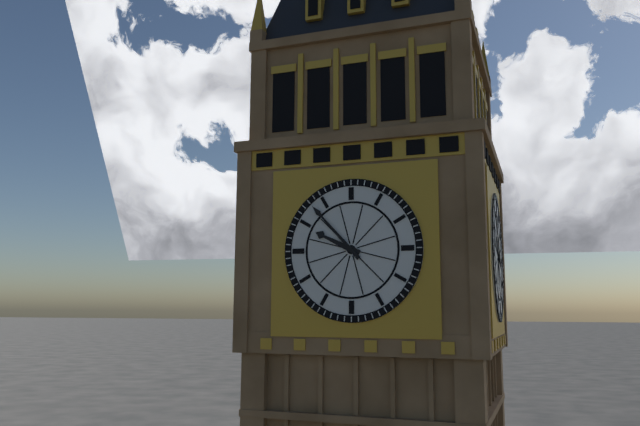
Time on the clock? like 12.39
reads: 9.53
